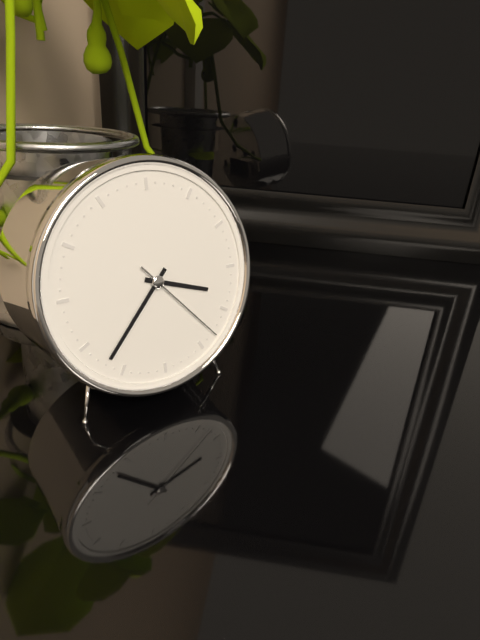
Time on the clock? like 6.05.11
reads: 3.37.23
